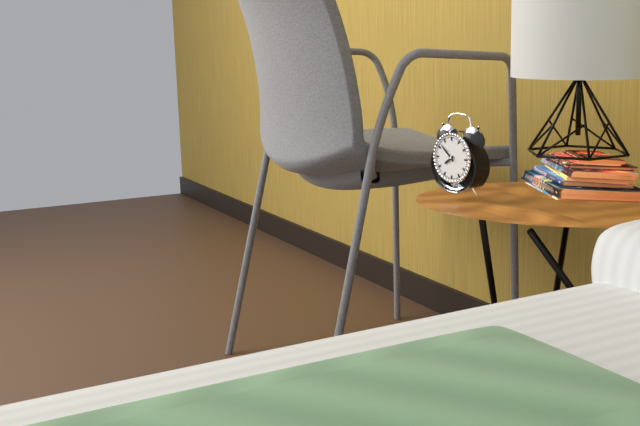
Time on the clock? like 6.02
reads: 7.52
